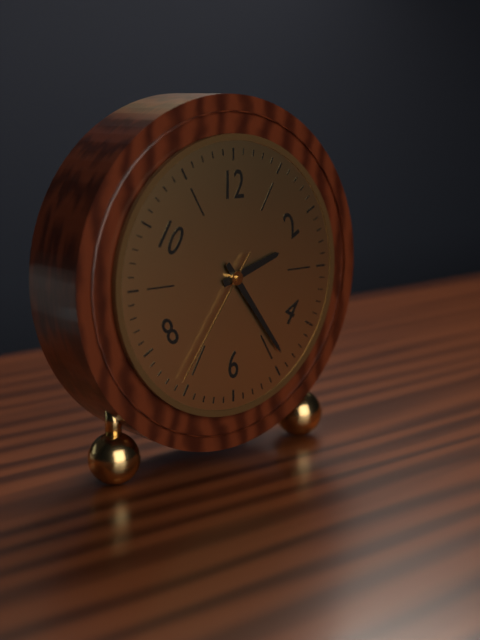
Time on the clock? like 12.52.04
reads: 2.24.36
